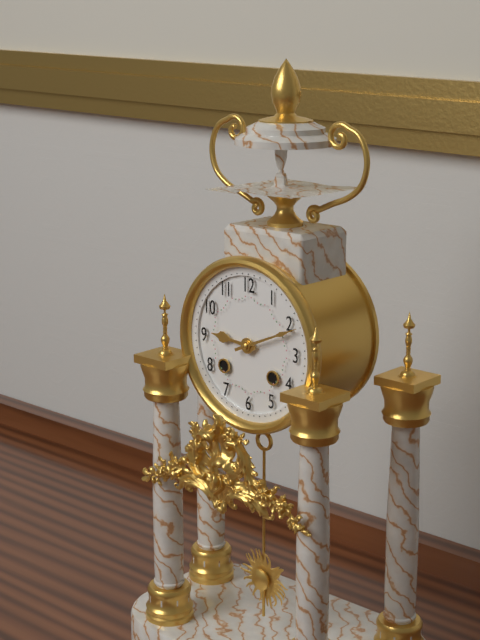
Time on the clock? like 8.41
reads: 9.11
